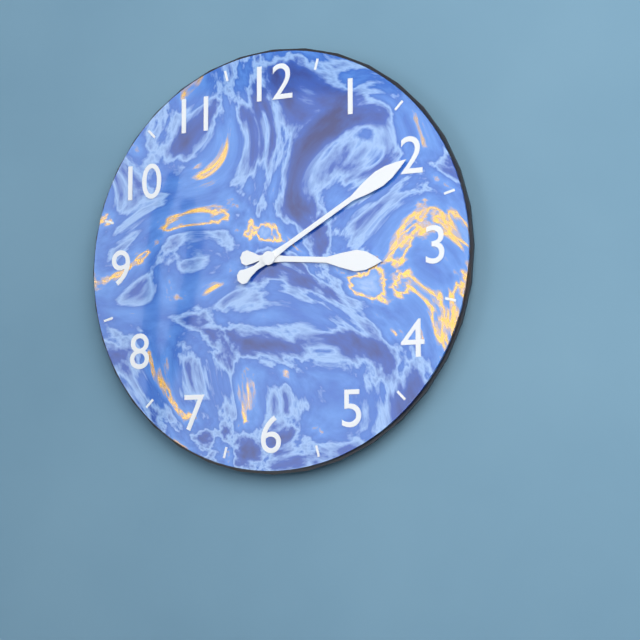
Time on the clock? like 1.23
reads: 3.10
